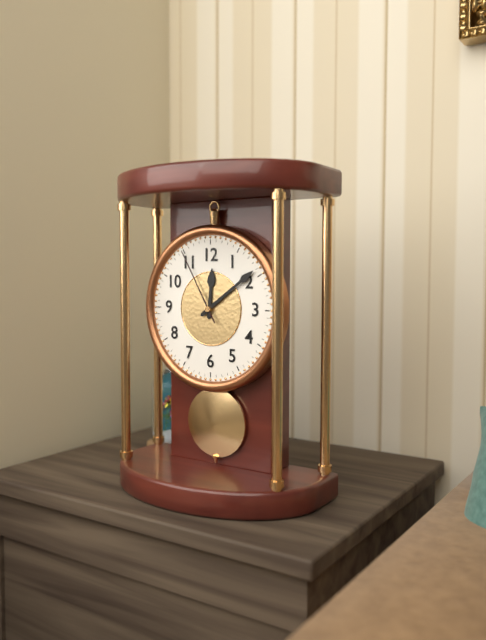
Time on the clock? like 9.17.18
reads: 12.09.55
